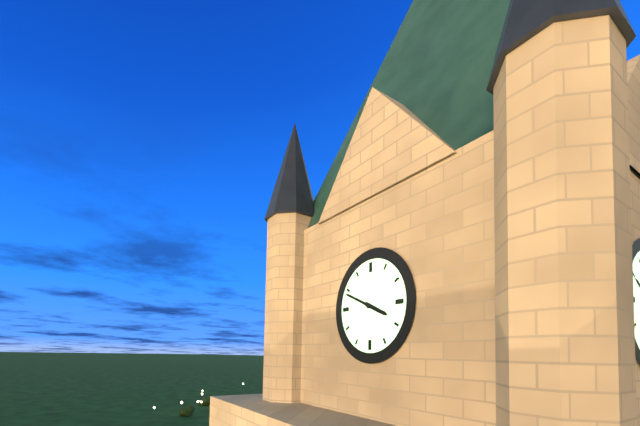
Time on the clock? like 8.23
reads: 3.49
